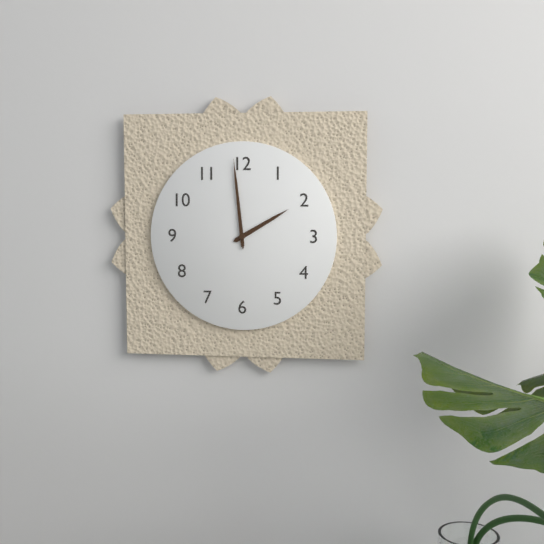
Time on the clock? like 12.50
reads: 1.59
